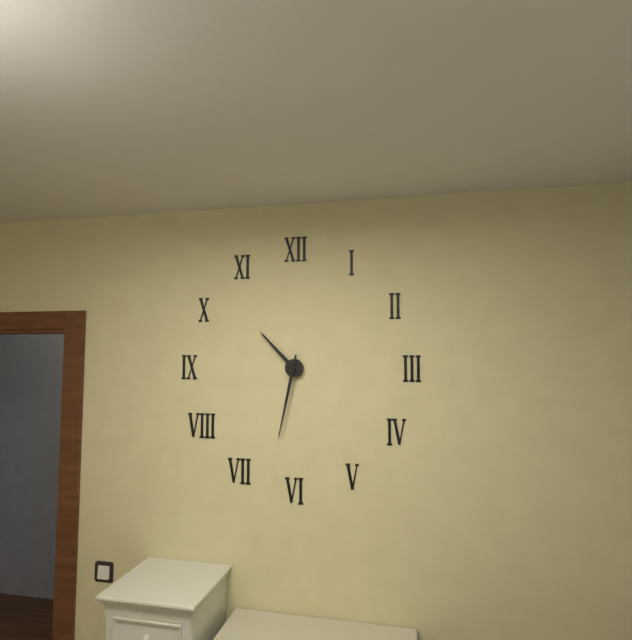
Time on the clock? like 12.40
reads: 10.32
